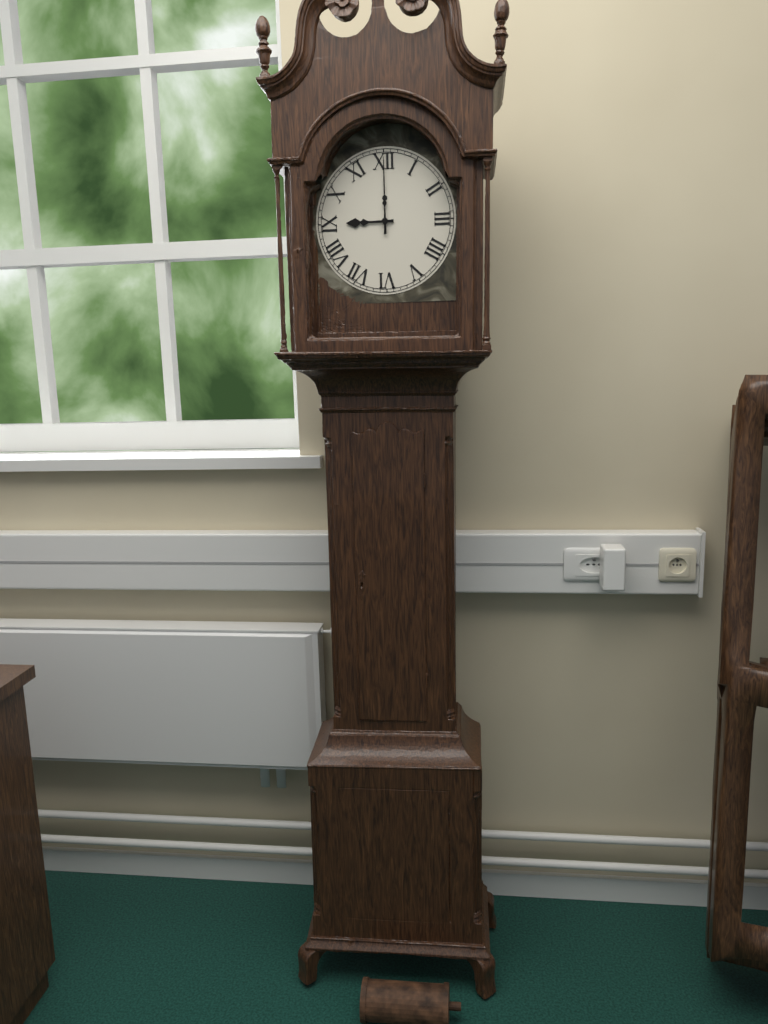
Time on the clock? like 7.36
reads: 9.00
